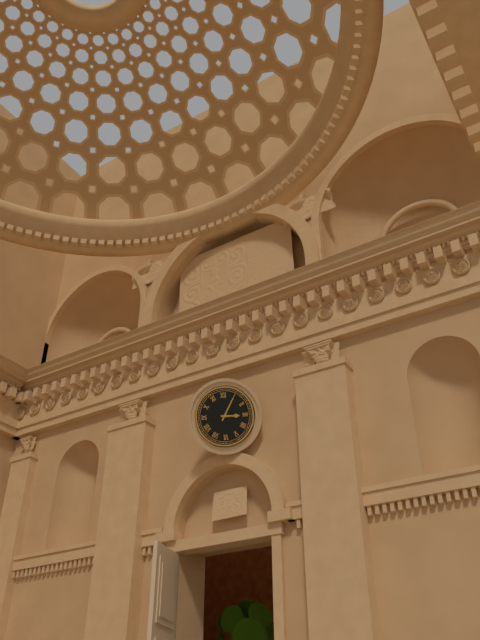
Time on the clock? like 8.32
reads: 3.05
